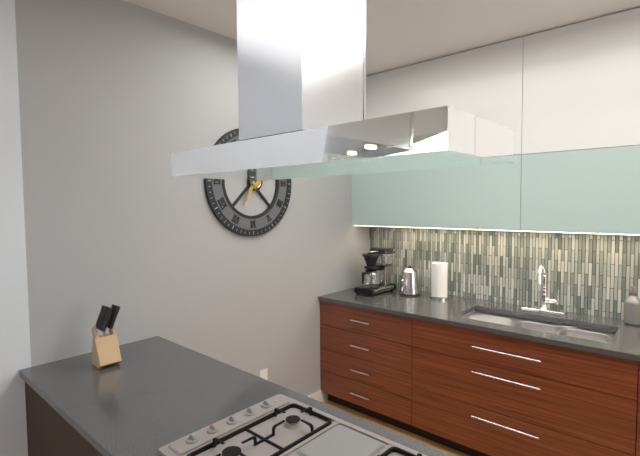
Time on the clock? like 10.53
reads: 6.57
